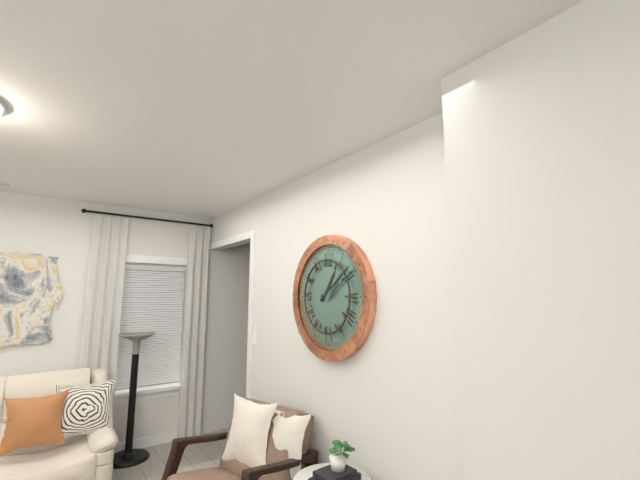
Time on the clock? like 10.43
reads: 1.09
